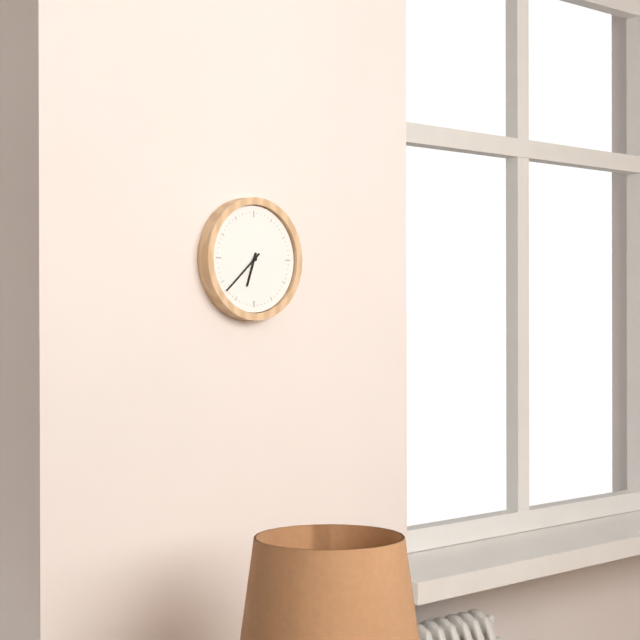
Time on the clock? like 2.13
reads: 6.38
